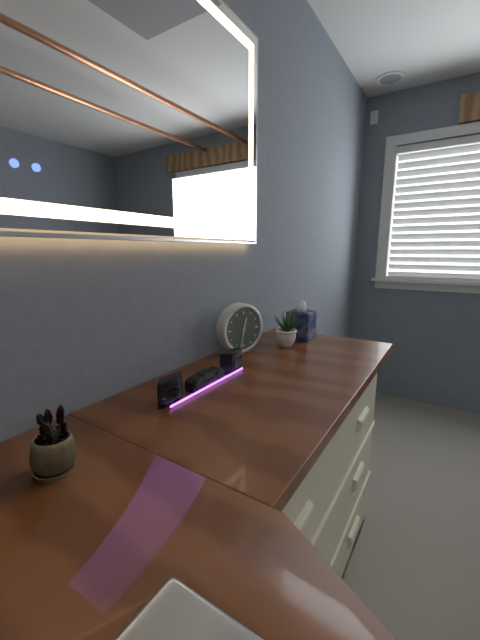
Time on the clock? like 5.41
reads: 12.32
